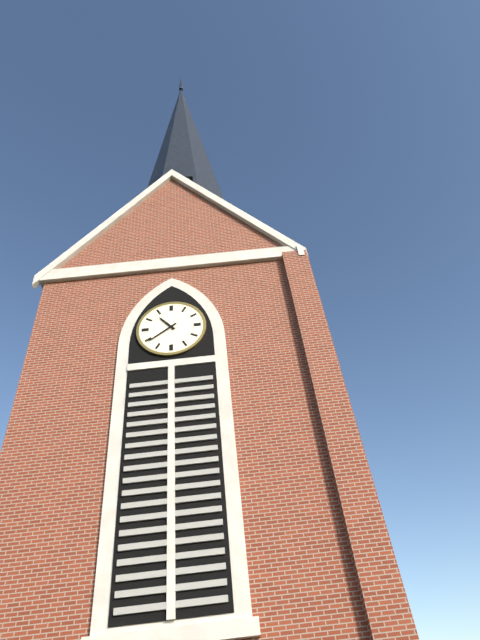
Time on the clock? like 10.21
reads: 10.39
